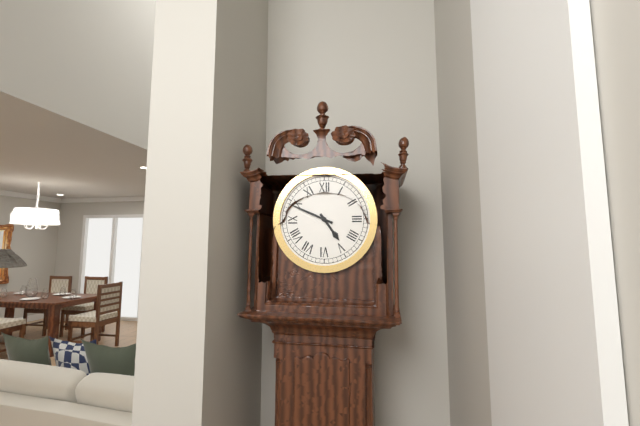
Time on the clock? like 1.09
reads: 4.49
